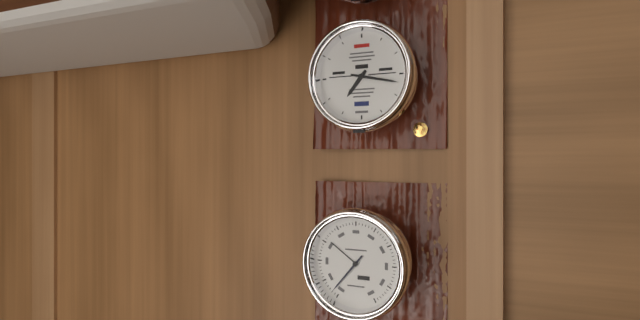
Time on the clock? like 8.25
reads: 7.17
